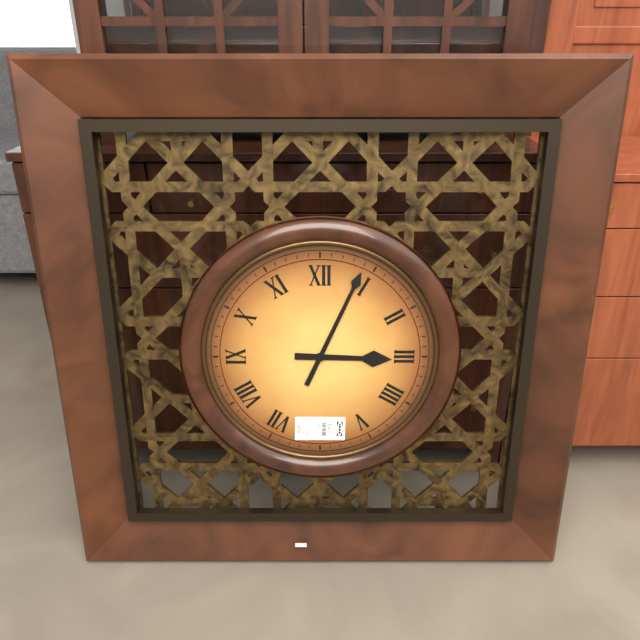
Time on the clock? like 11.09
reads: 3.04
